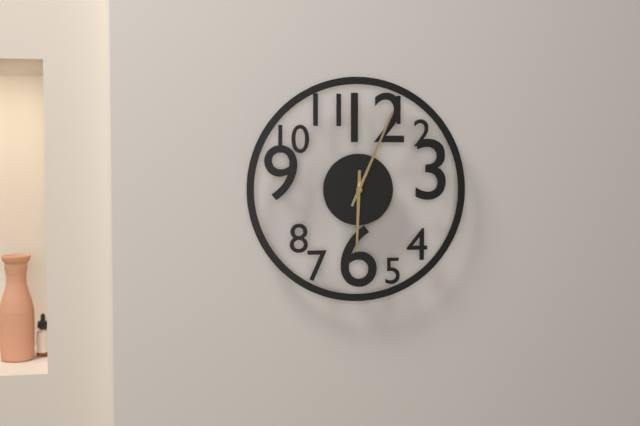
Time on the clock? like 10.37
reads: 6.04
